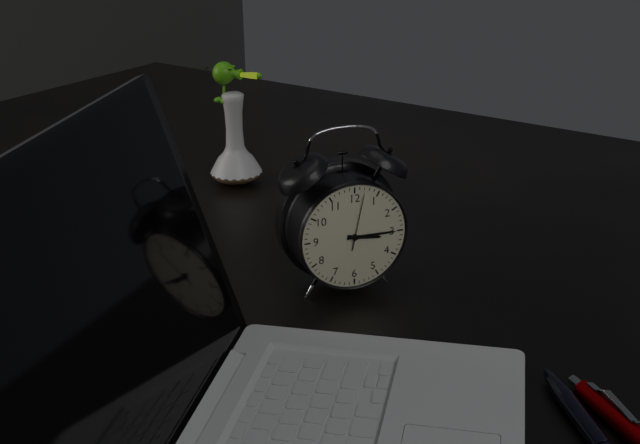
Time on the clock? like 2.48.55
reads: 3.15.02
